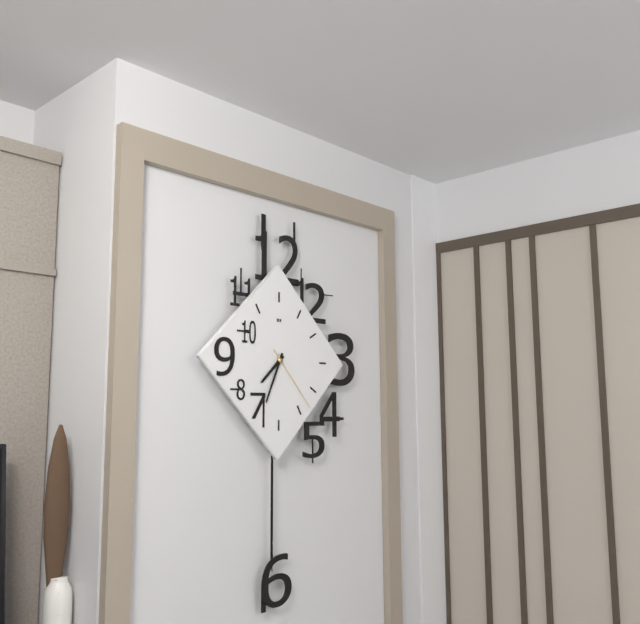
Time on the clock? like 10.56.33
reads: 7.34.23
